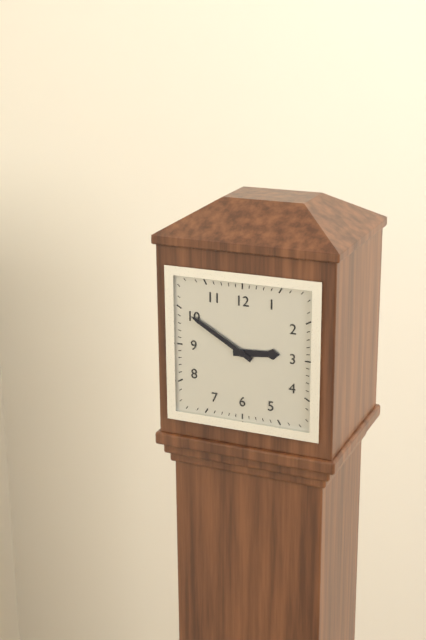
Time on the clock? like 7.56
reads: 2.50
